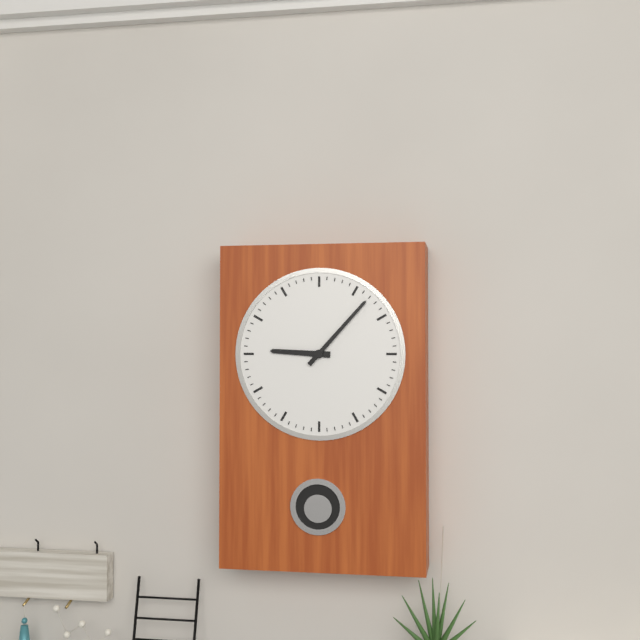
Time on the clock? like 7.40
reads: 9.07
